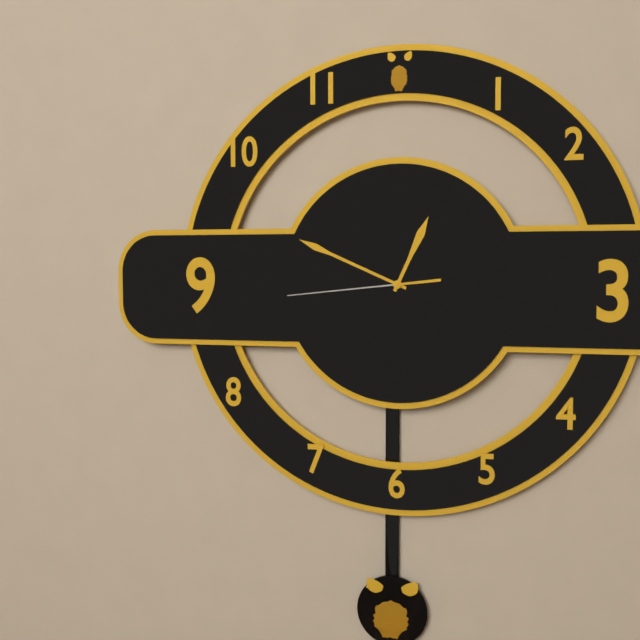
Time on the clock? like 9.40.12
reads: 12.49.44
